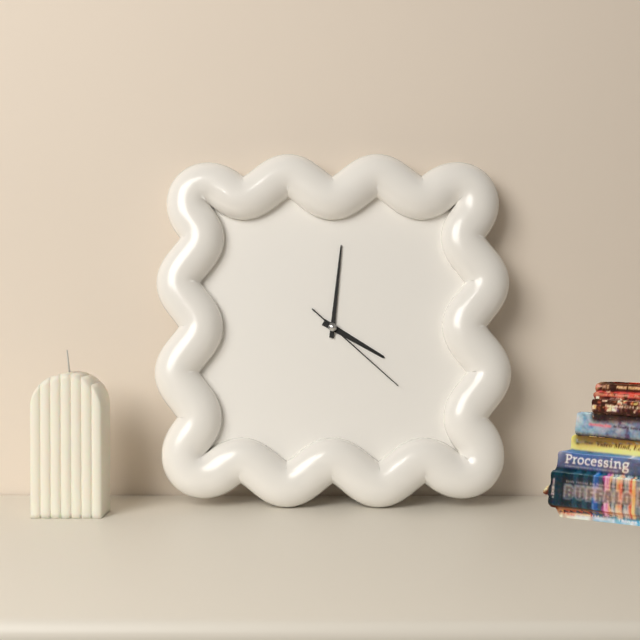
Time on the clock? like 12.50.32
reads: 4.01.22
